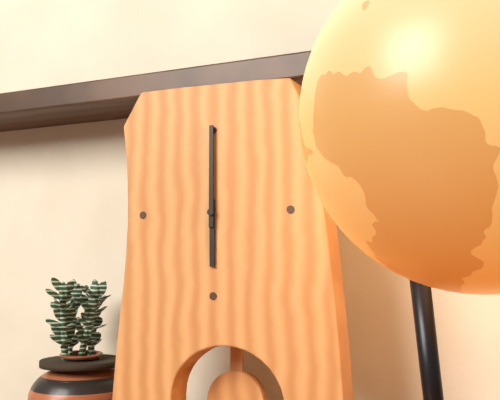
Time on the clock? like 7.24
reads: 6.00
